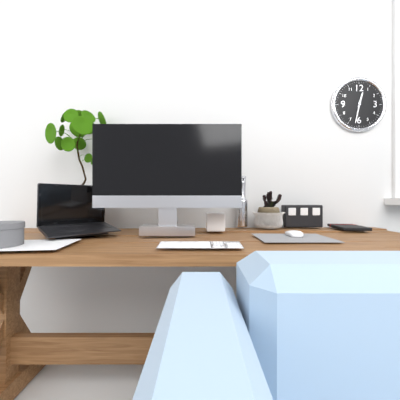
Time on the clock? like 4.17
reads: 12.32
